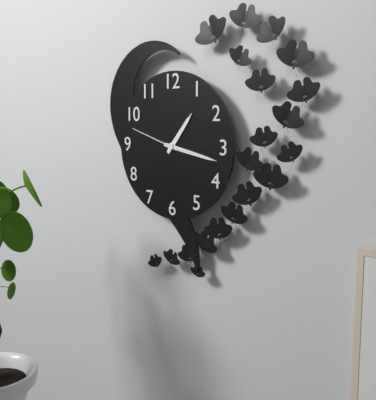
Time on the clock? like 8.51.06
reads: 1.17.48
